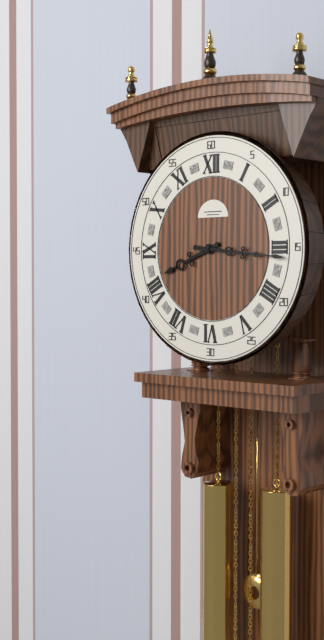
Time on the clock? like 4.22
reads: 8.16
